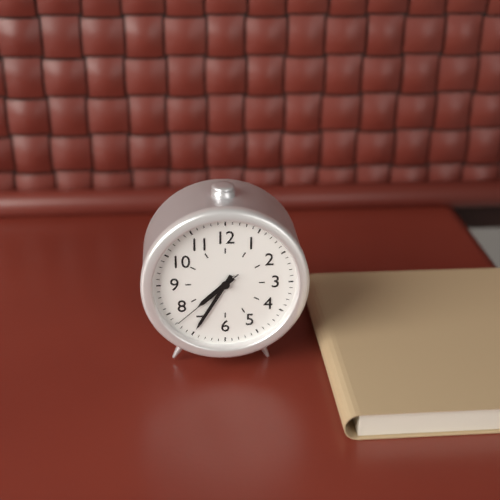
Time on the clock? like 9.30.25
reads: 7.35.38
